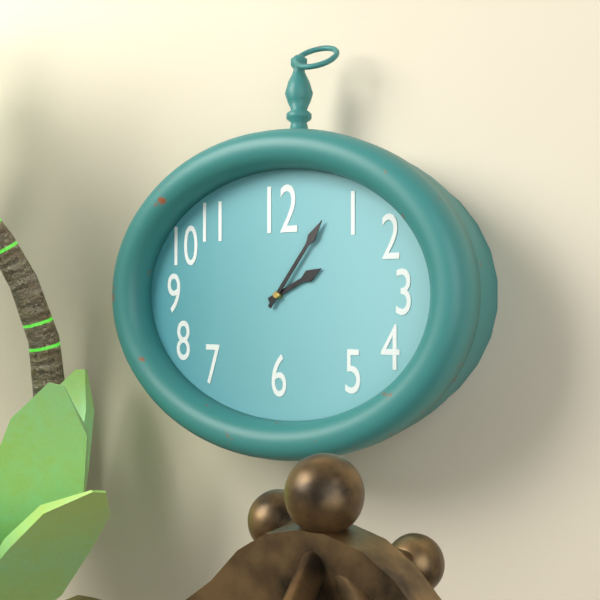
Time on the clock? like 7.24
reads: 2.06
